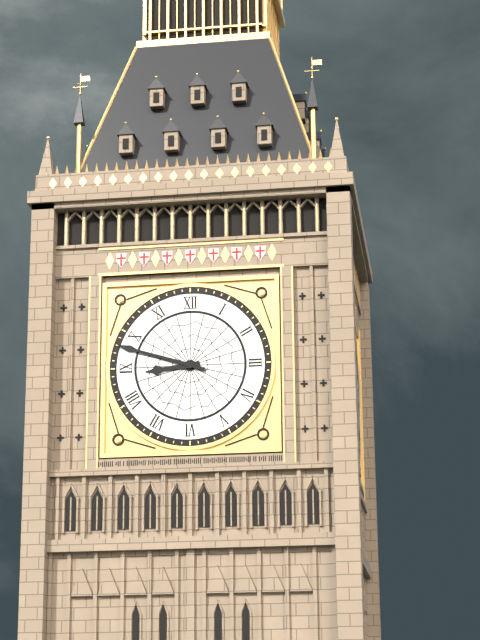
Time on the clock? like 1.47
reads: 8.48
